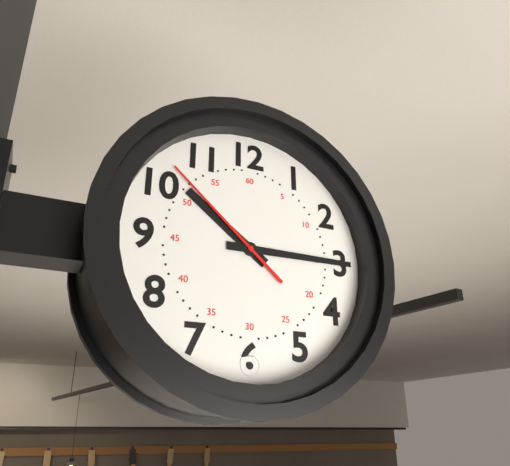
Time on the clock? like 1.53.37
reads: 10.15.52
